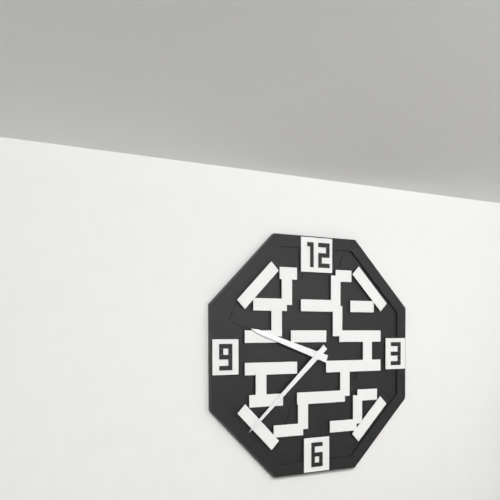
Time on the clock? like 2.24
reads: 9.38
